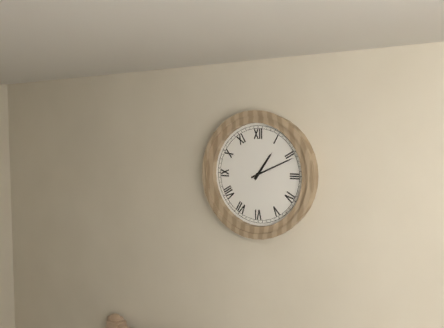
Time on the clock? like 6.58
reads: 1.11
